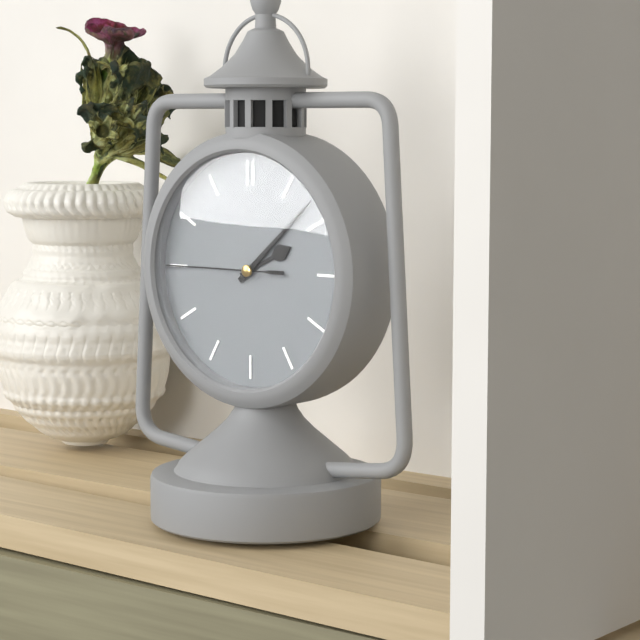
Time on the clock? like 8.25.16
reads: 2.08.45
